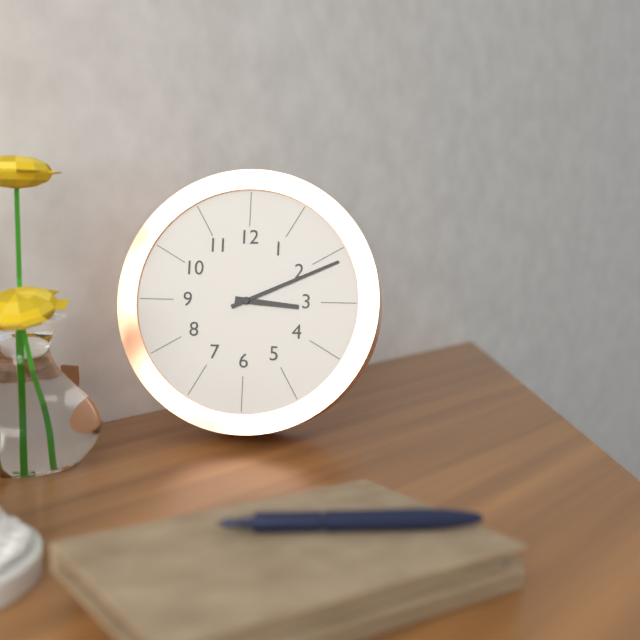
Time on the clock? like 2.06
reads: 3.11
